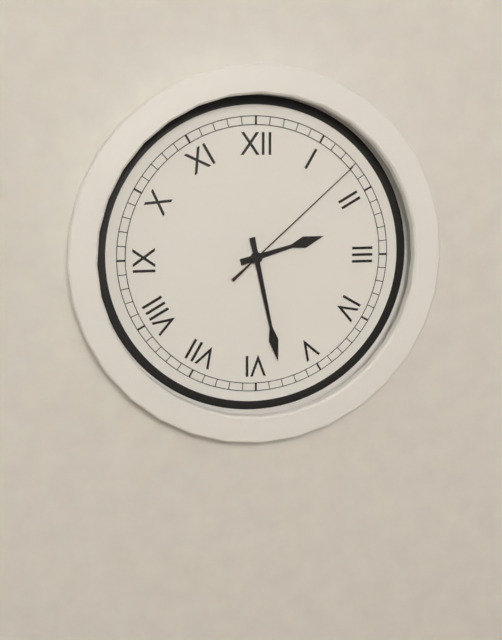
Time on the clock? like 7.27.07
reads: 2.28.08
